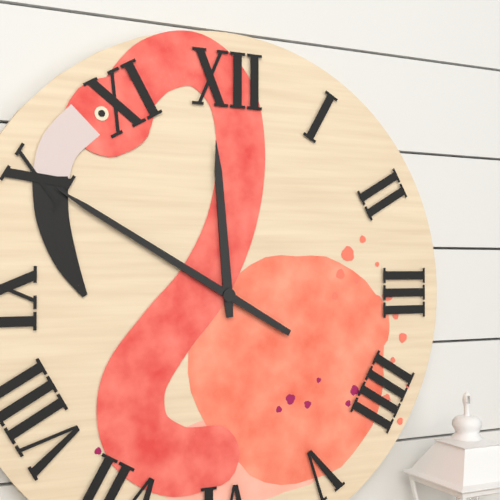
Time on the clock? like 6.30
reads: 11.50
